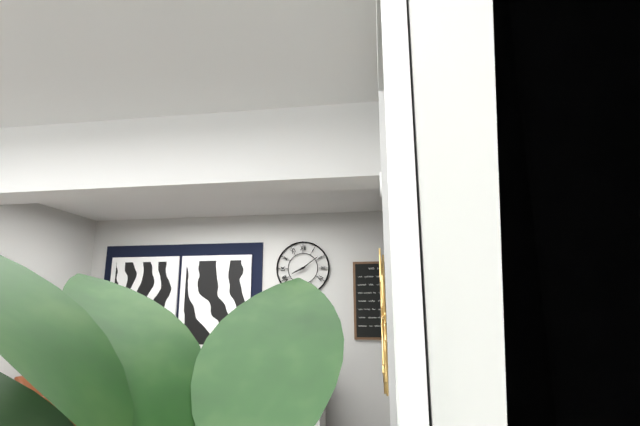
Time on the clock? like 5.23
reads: 8.09
